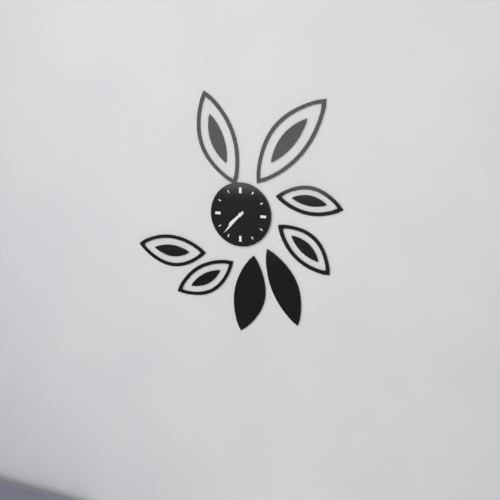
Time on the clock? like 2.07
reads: 7.37
